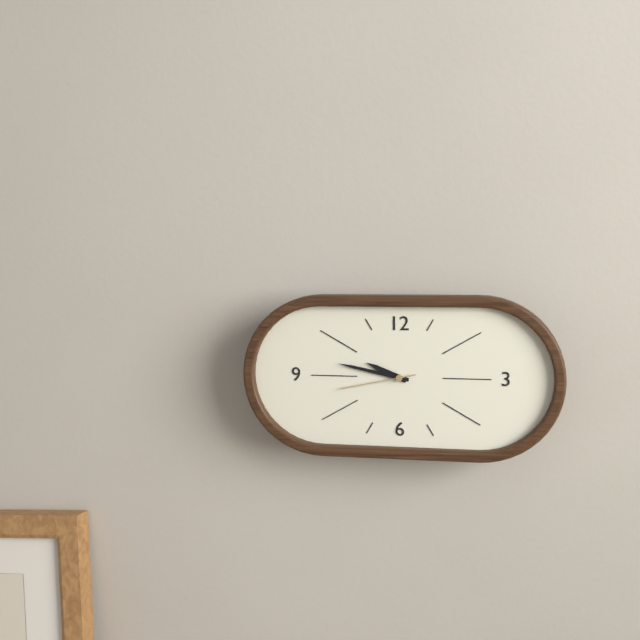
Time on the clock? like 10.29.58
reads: 9.47.43
